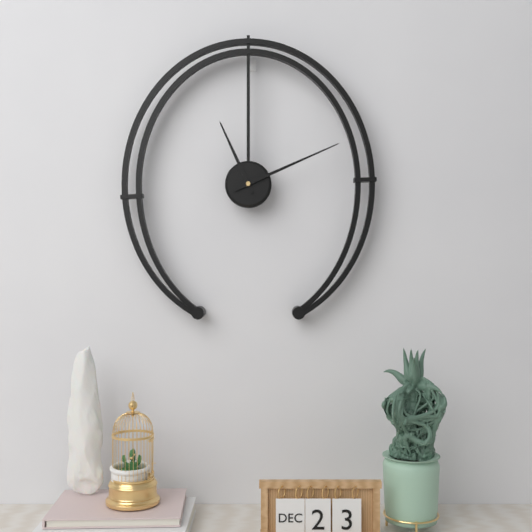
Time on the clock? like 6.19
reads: 11.11
